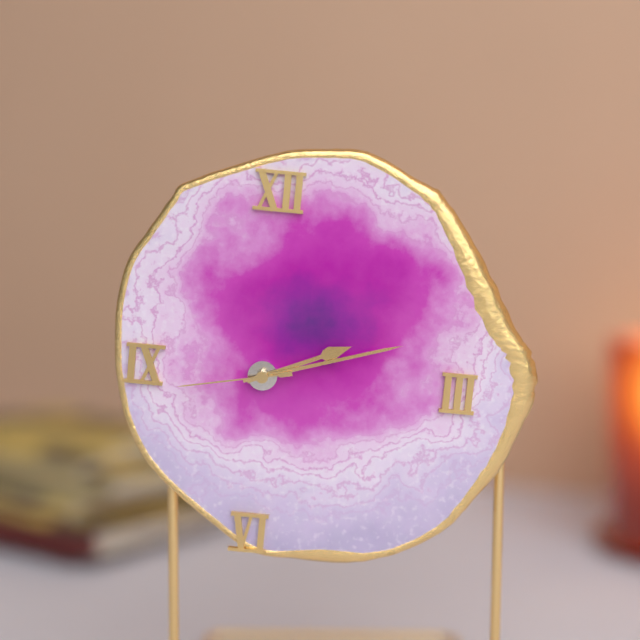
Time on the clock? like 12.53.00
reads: 2.12.43
